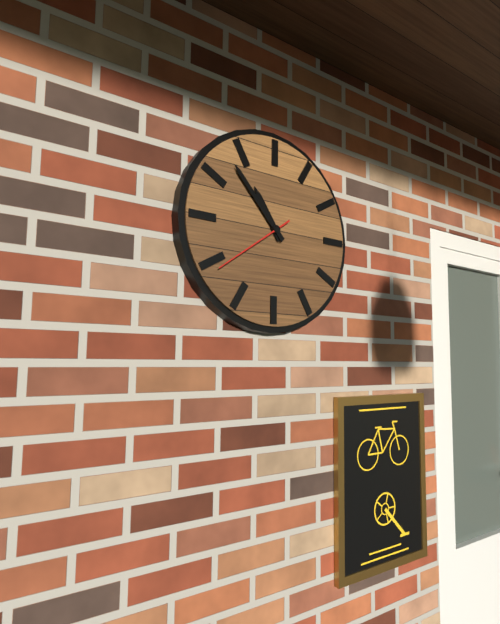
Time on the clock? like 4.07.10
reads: 10.53.39
